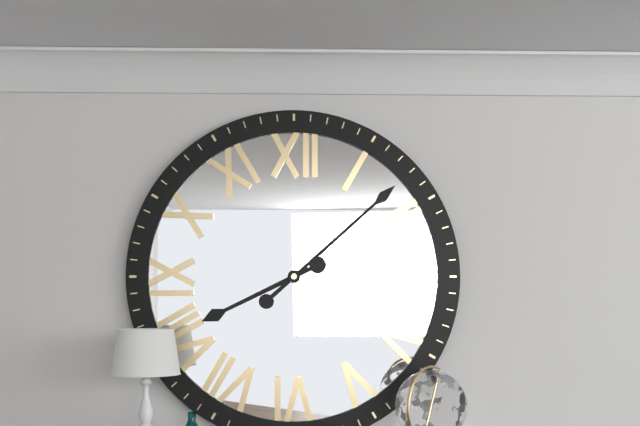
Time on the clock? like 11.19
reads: 8.08
